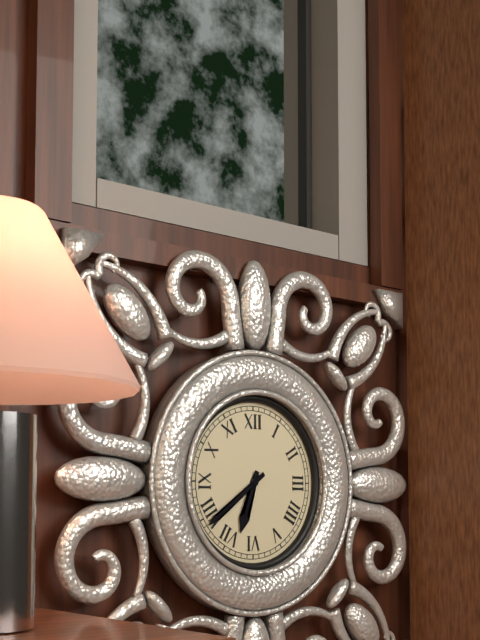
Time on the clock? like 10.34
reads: 6.39
